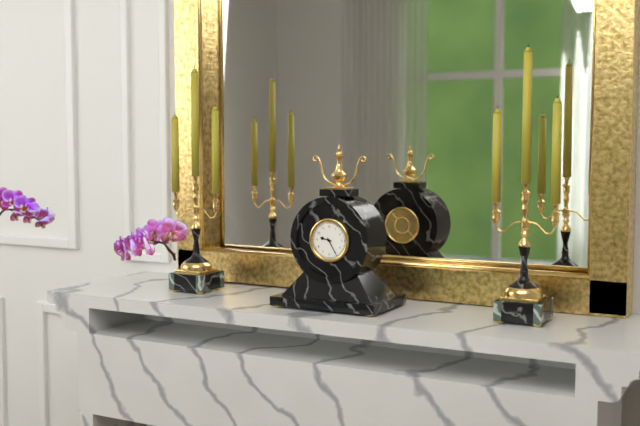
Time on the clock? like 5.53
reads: 9.25
